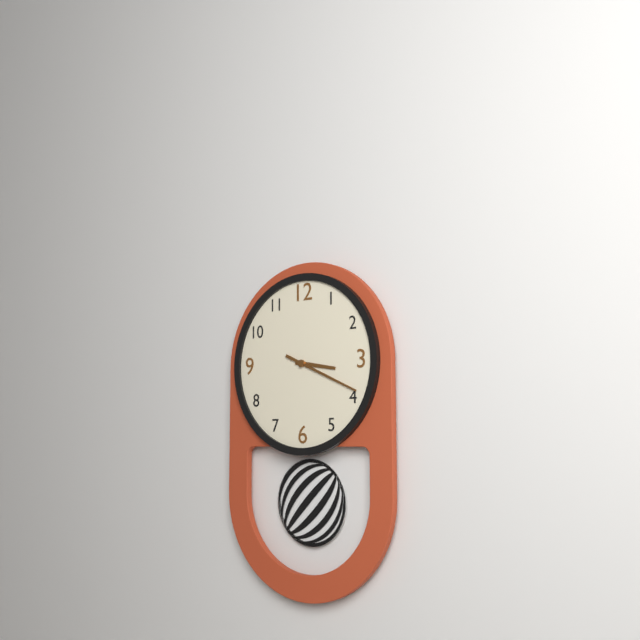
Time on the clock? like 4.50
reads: 3.19
